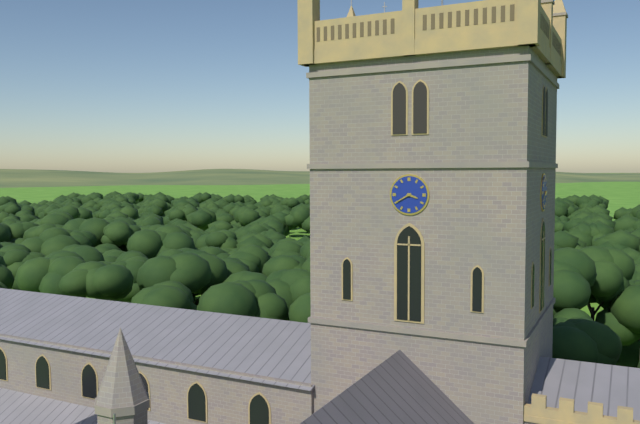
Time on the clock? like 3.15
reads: 3.40
